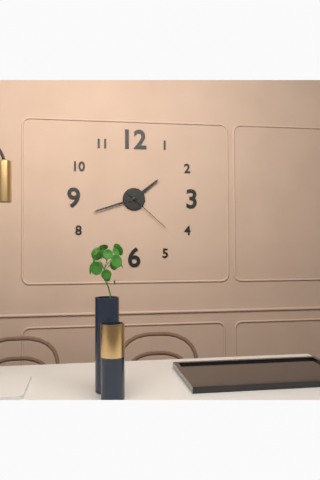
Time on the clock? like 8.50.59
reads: 1.42.22
